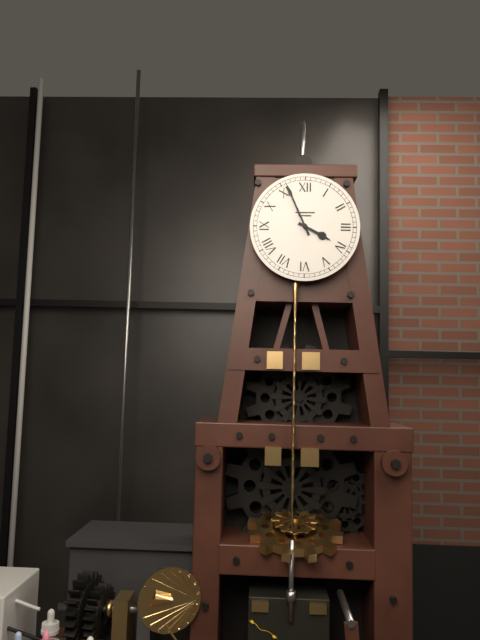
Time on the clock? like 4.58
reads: 3.56
